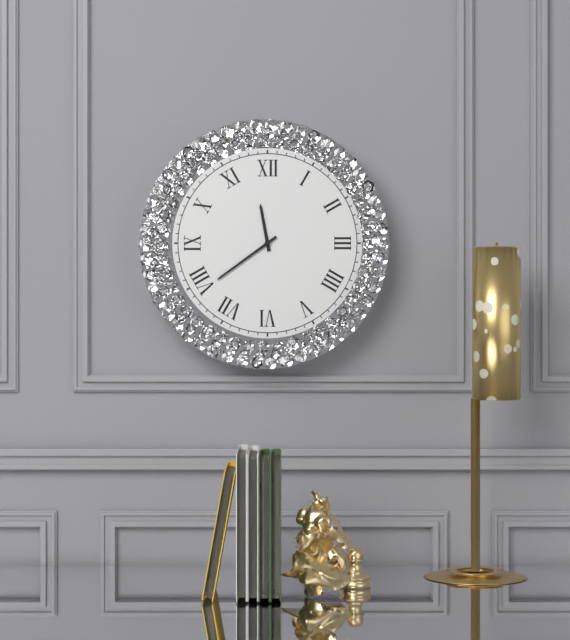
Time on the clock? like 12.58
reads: 11.39
